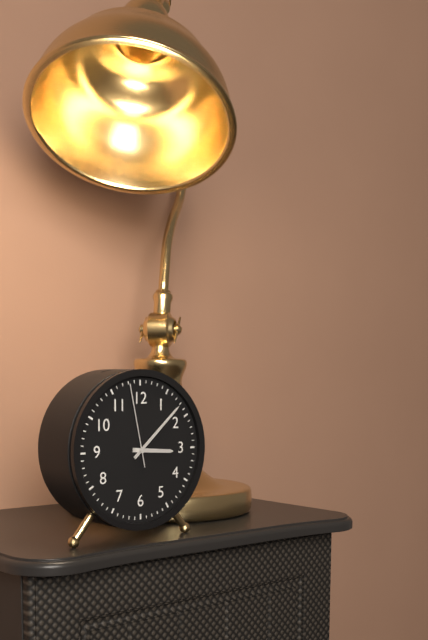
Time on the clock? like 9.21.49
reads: 3.08.58
